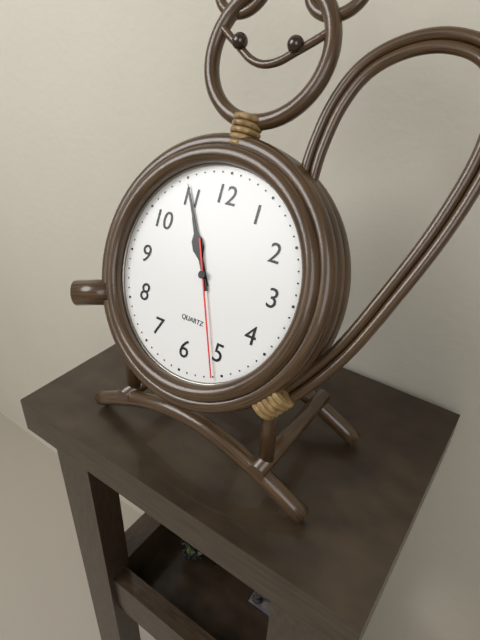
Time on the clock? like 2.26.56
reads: 10.55.26
